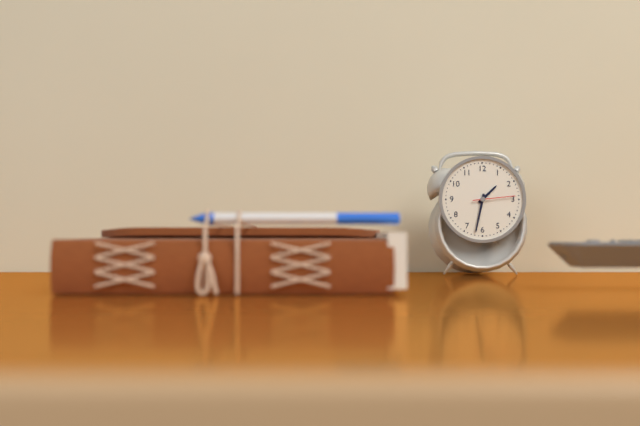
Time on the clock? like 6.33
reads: 1.32
